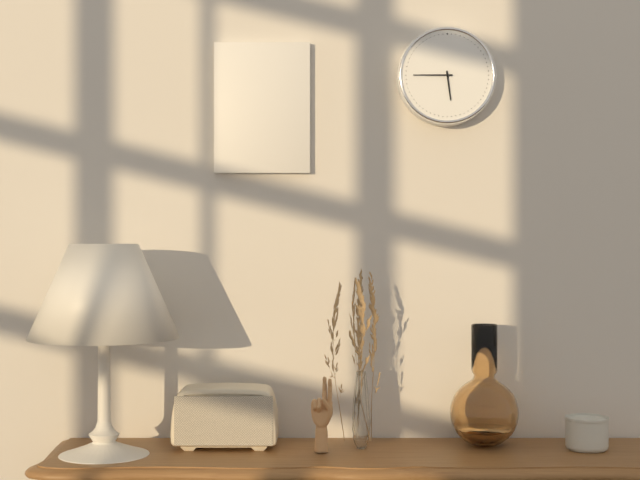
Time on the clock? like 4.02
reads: 5.45
